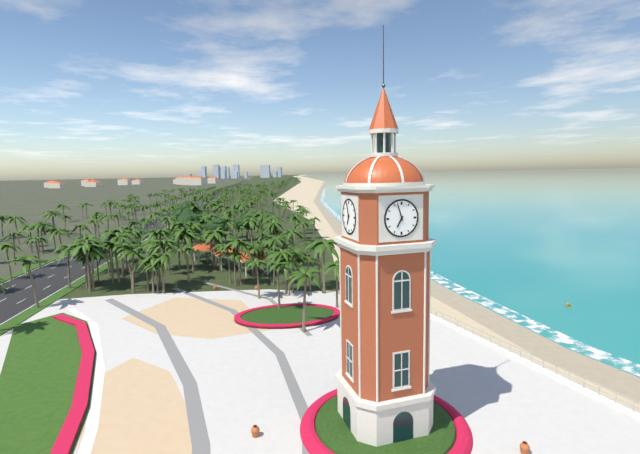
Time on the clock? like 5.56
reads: 6.57
